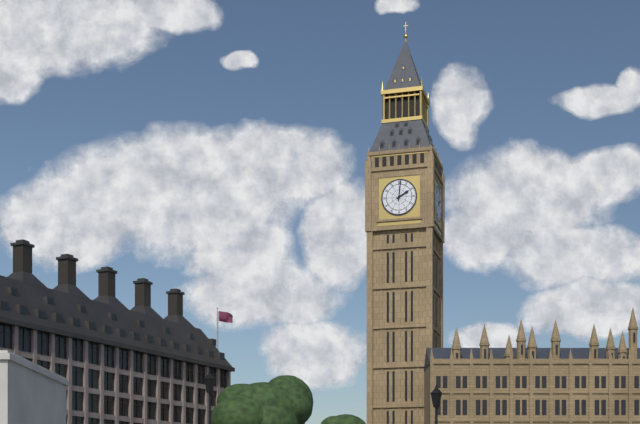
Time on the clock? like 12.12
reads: 2.01
